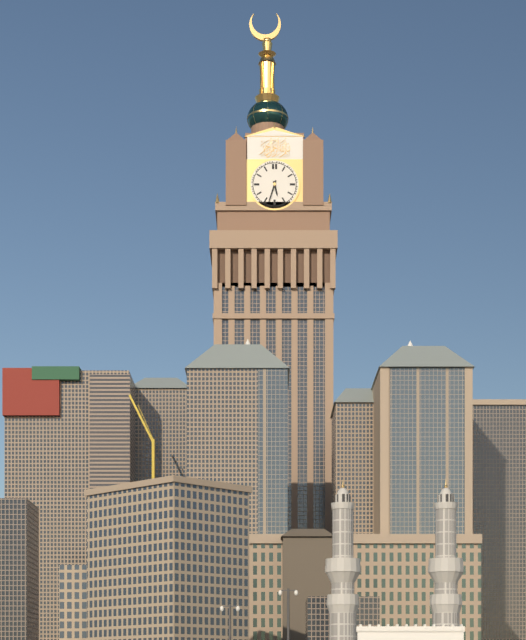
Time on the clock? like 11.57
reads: 5.33
